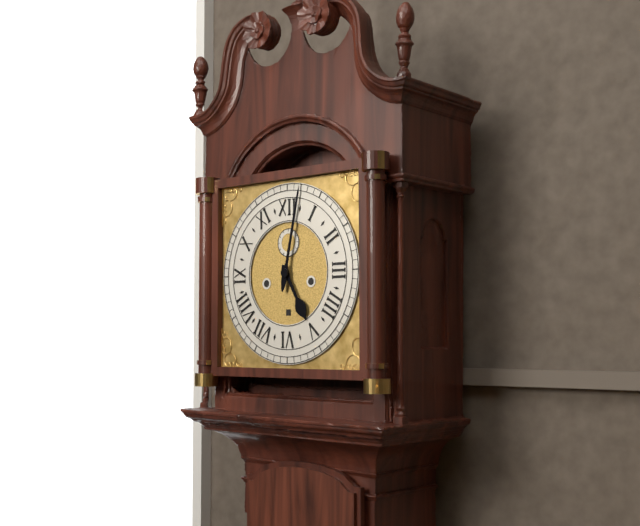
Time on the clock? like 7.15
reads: 5.02
